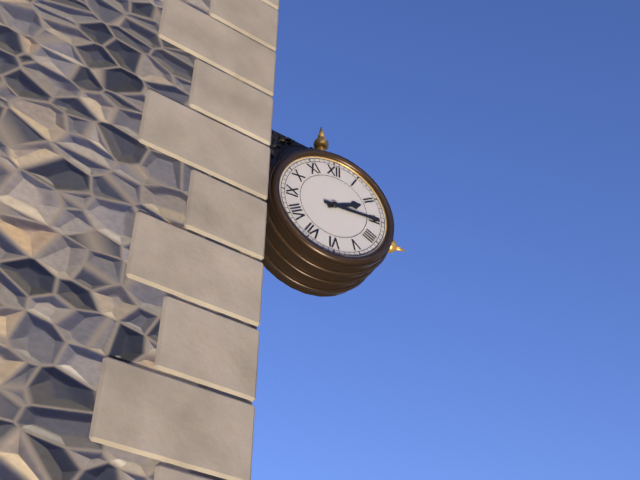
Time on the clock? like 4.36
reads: 2.15
